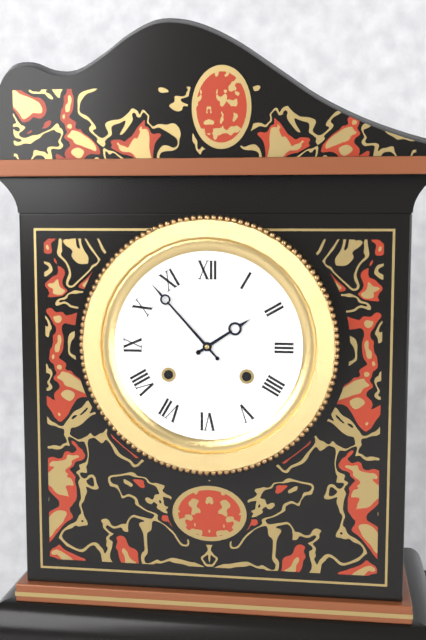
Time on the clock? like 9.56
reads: 1.53
